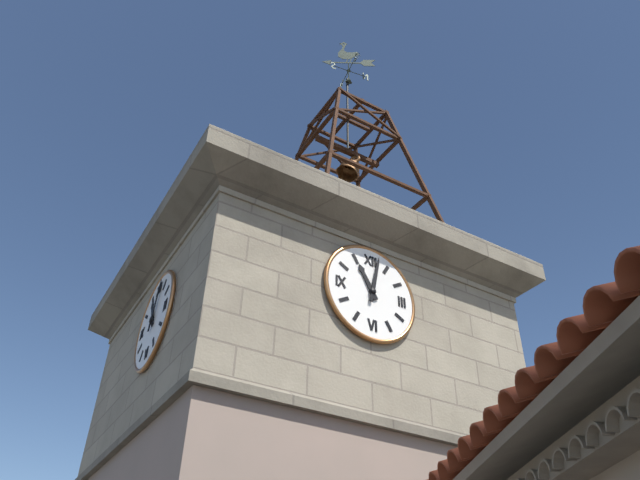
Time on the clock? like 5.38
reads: 11.02
